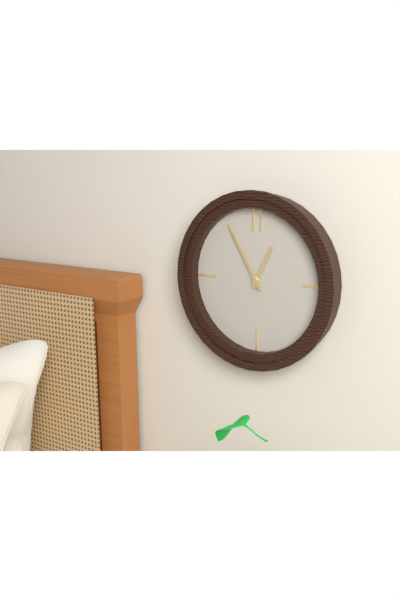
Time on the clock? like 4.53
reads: 12.55
